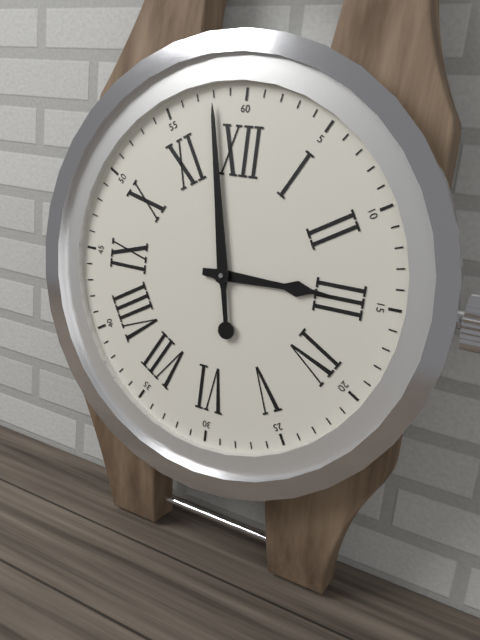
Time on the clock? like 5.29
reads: 2.58
